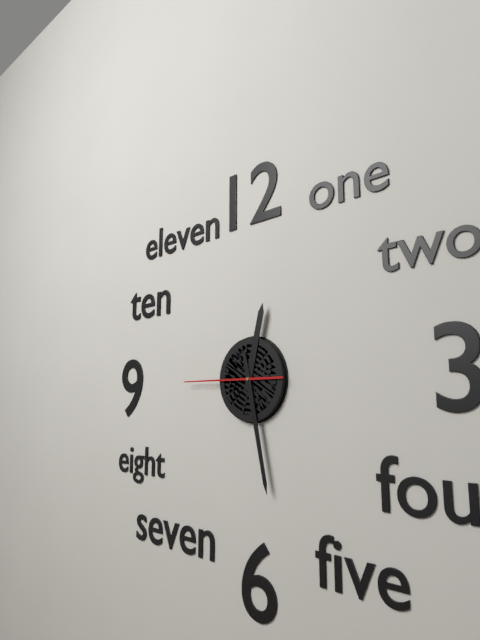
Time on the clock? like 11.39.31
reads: 12.28.45
